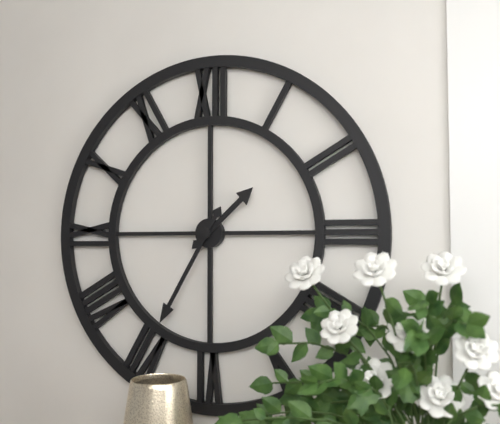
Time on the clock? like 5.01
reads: 1.35
